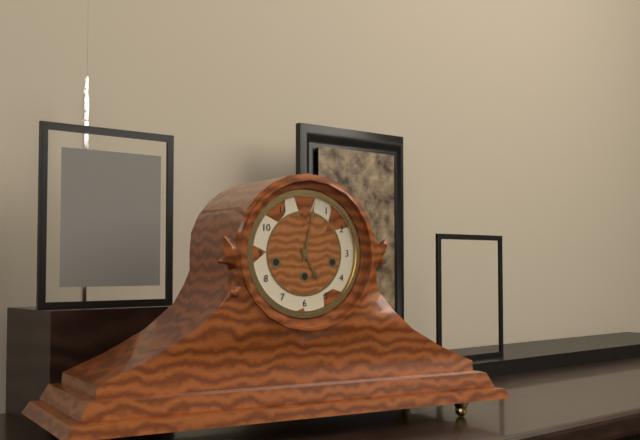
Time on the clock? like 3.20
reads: 5.02
